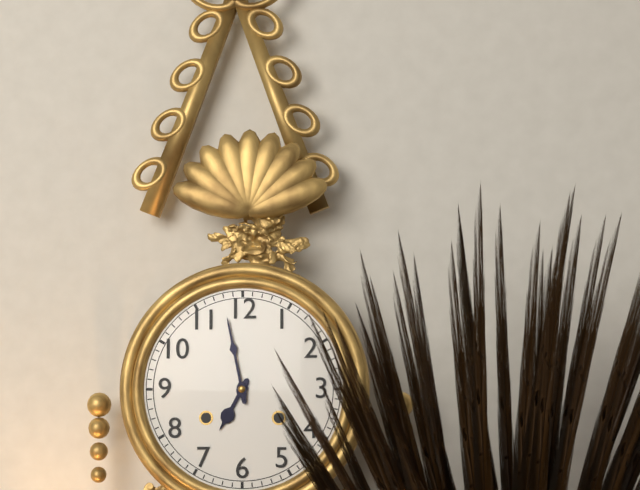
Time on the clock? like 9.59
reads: 6.58
